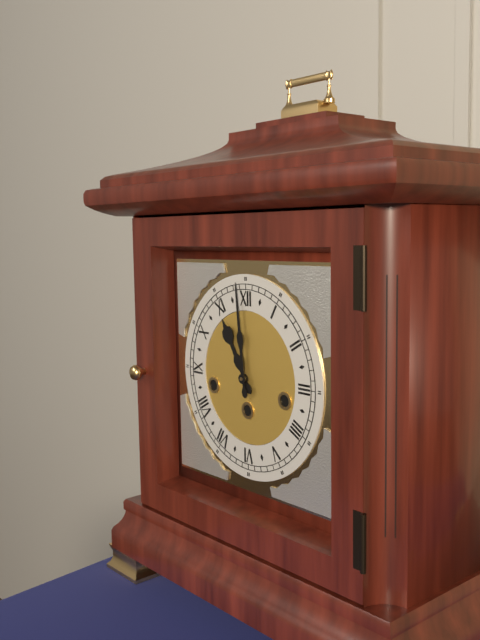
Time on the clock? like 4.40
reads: 10.59
